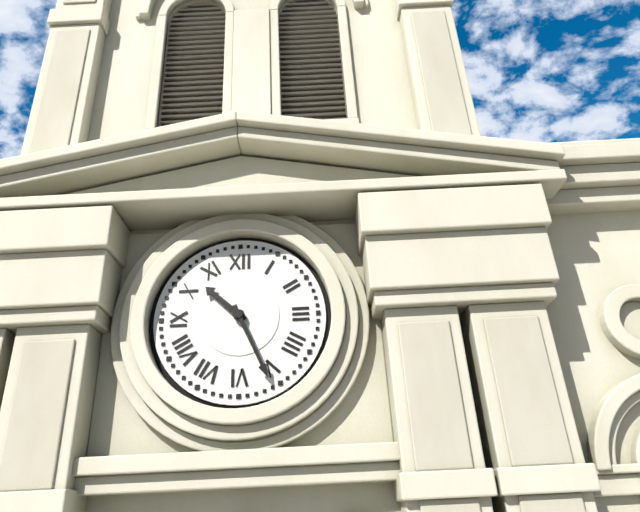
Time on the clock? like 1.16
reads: 10.26
